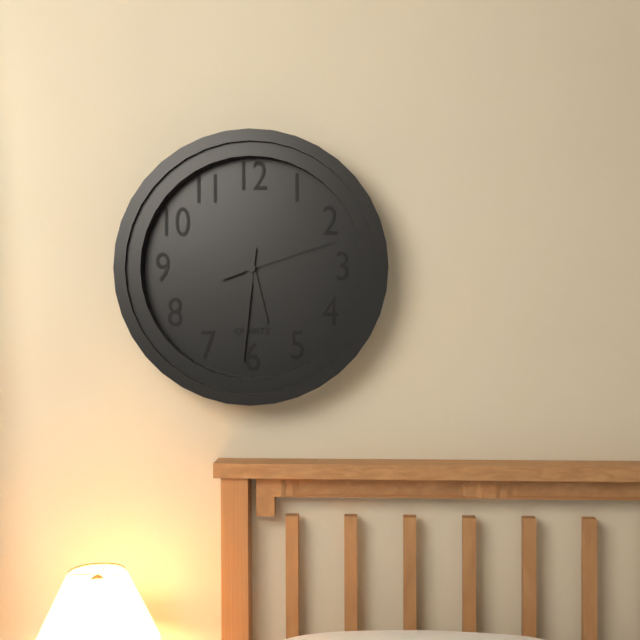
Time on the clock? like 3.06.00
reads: 5.31.12
